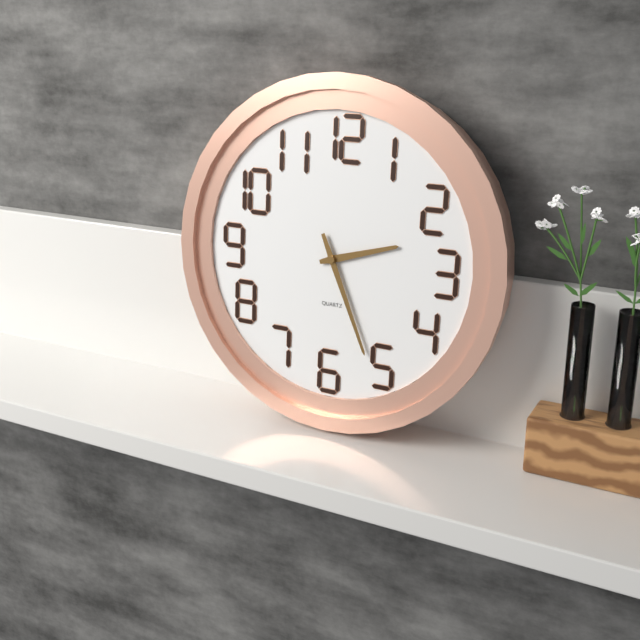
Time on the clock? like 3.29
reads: 2.26
